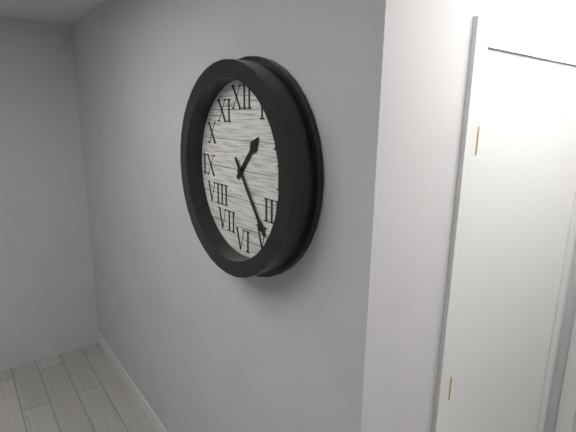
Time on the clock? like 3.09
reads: 1.24
